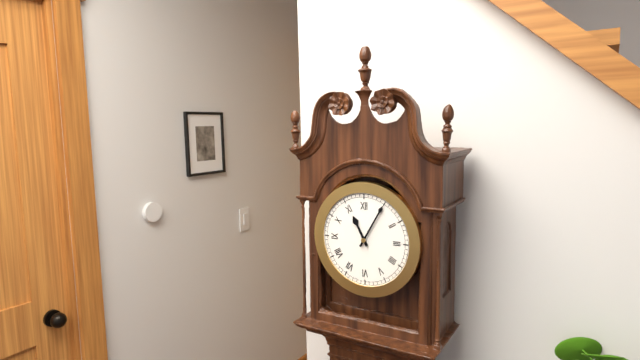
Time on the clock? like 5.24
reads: 11.05
